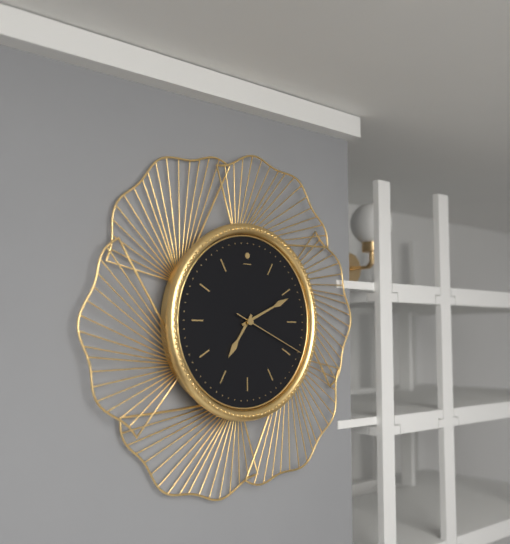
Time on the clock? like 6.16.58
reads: 7.11.19
